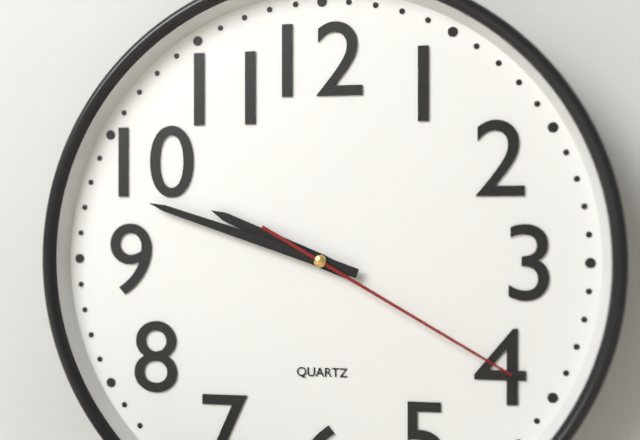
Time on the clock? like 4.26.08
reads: 9.48.20
